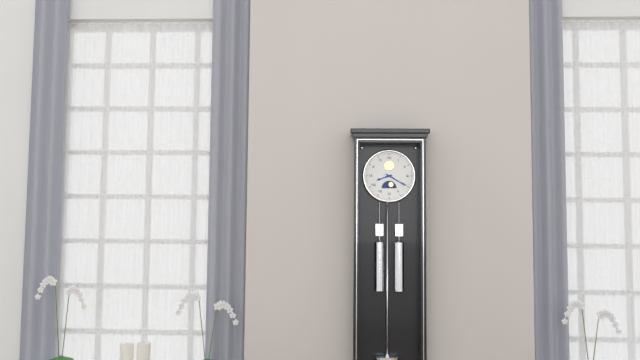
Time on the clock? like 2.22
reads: 8.20
